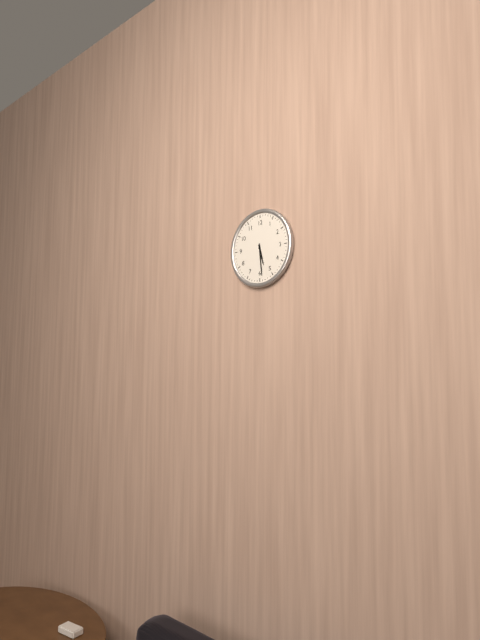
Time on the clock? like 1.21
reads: 5.29
